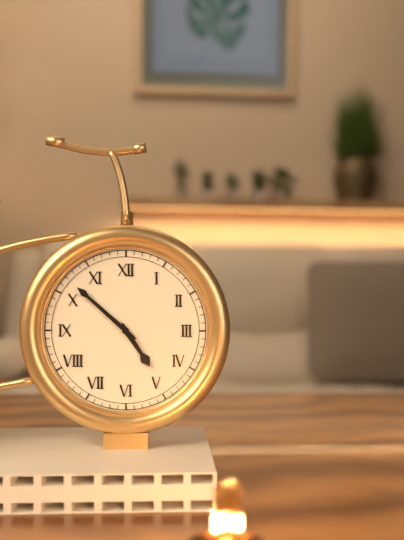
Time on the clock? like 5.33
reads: 4.52
